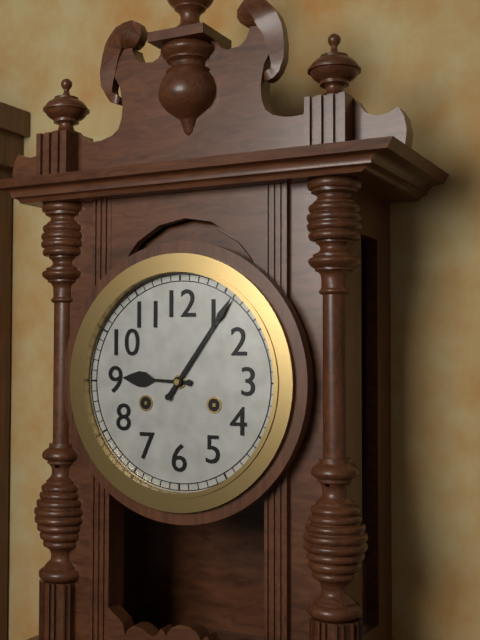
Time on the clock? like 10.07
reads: 9.06
